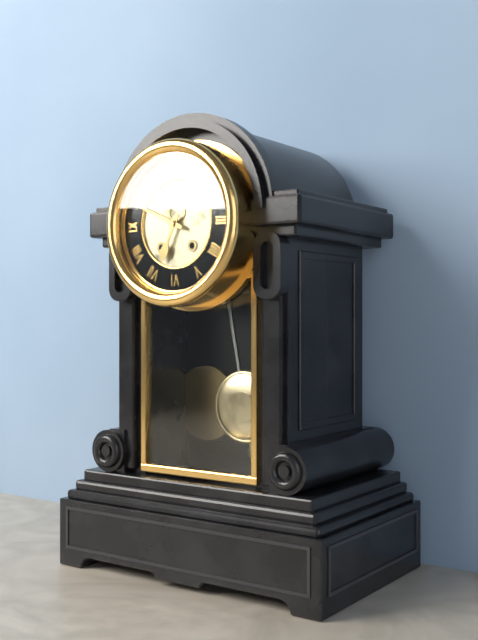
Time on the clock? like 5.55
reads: 6.49
